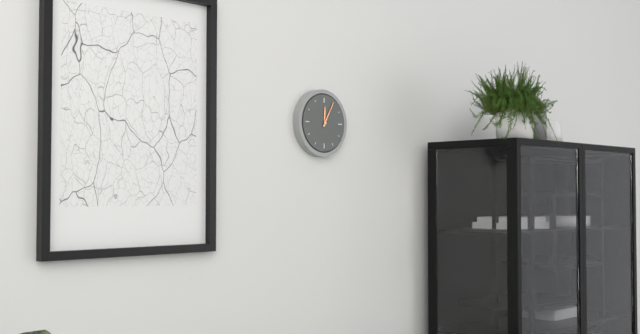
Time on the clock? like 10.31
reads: 12.05
